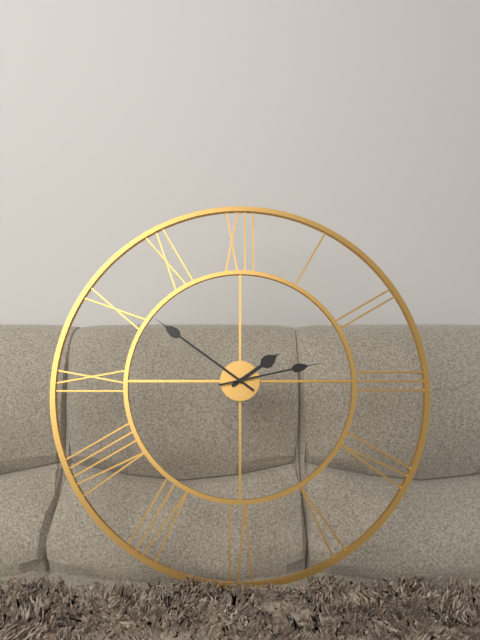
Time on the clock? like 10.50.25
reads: 1.51.13
